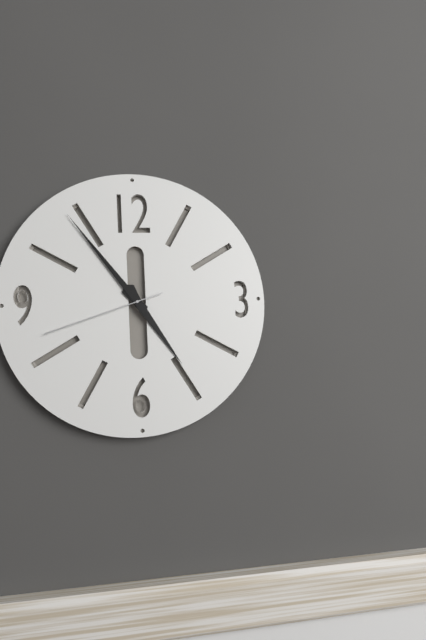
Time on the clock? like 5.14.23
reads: 4.54.42
